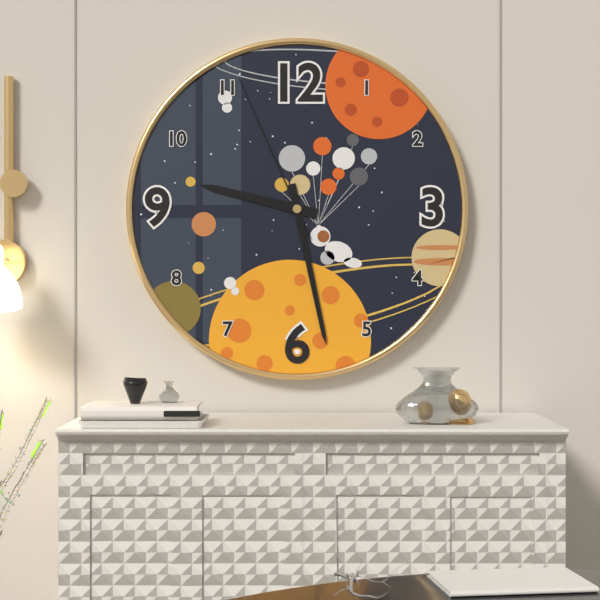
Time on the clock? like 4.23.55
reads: 9.28.56
